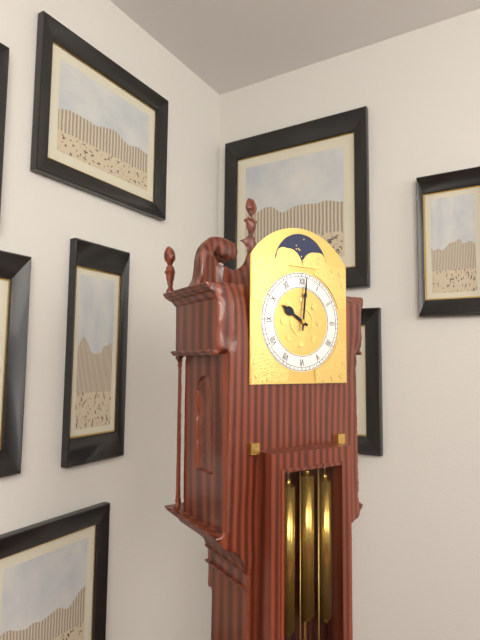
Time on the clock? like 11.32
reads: 10.01
